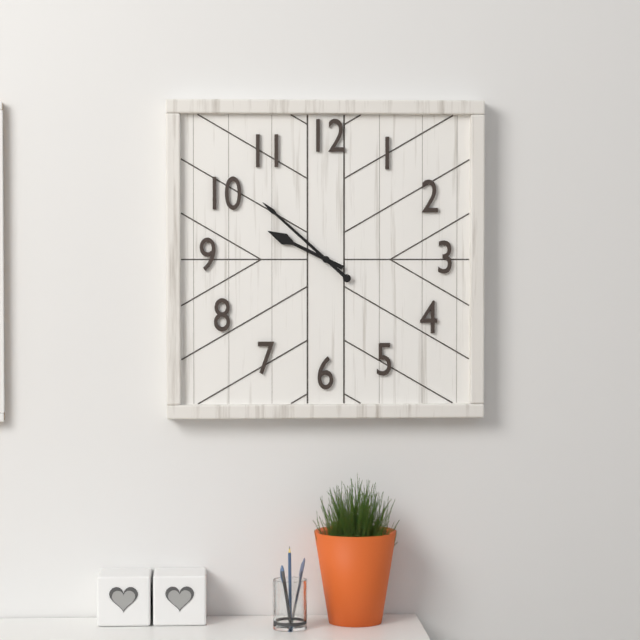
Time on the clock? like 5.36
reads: 9.52
